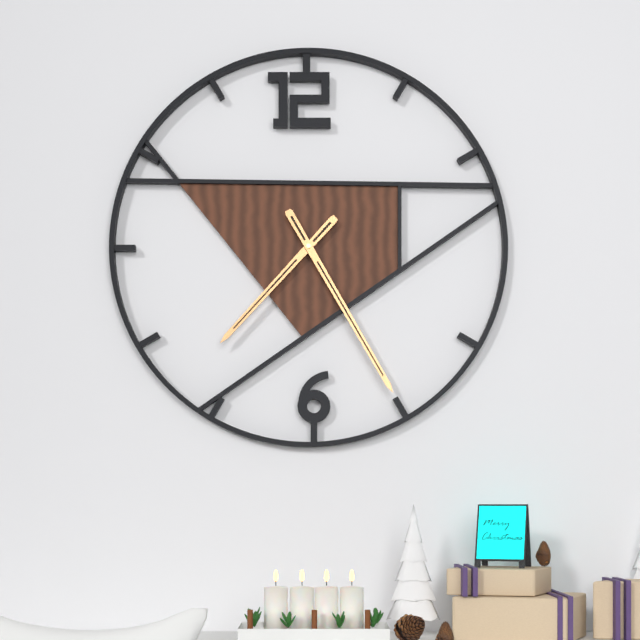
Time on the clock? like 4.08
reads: 7.25
